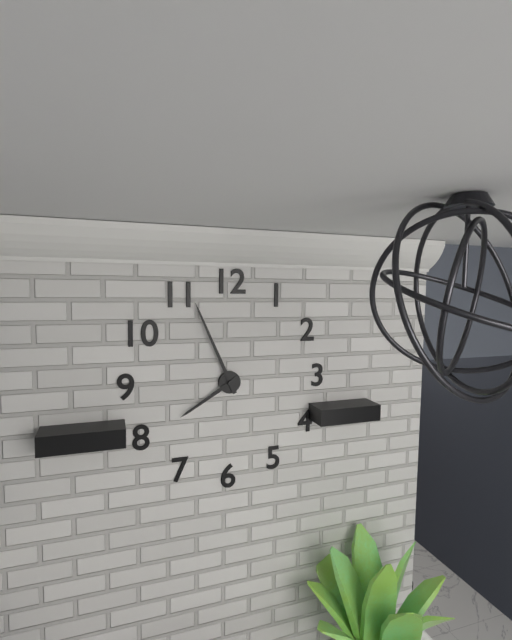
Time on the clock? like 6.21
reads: 7.56
